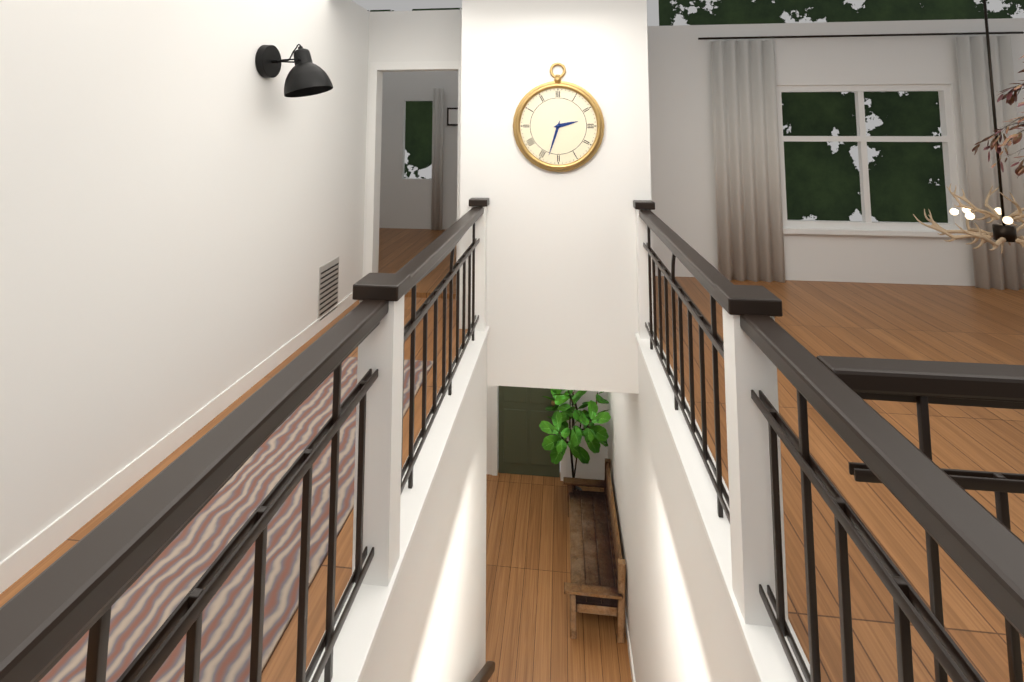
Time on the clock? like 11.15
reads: 2.33
